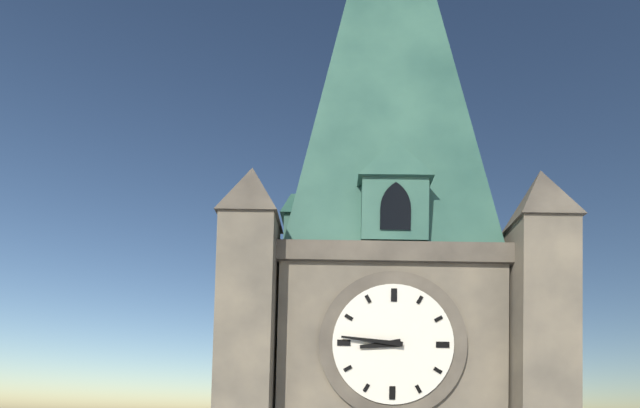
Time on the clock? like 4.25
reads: 8.46
